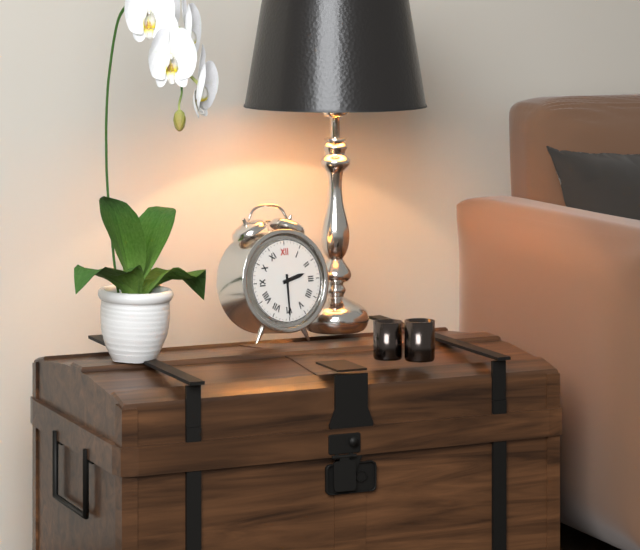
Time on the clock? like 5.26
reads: 2.30
